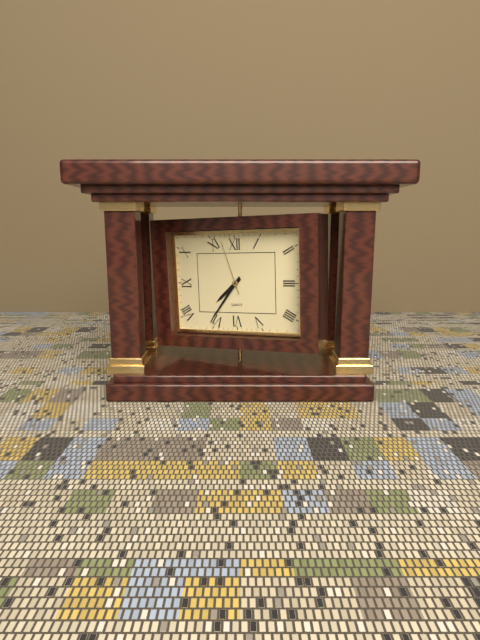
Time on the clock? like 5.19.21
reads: 7.36.57
